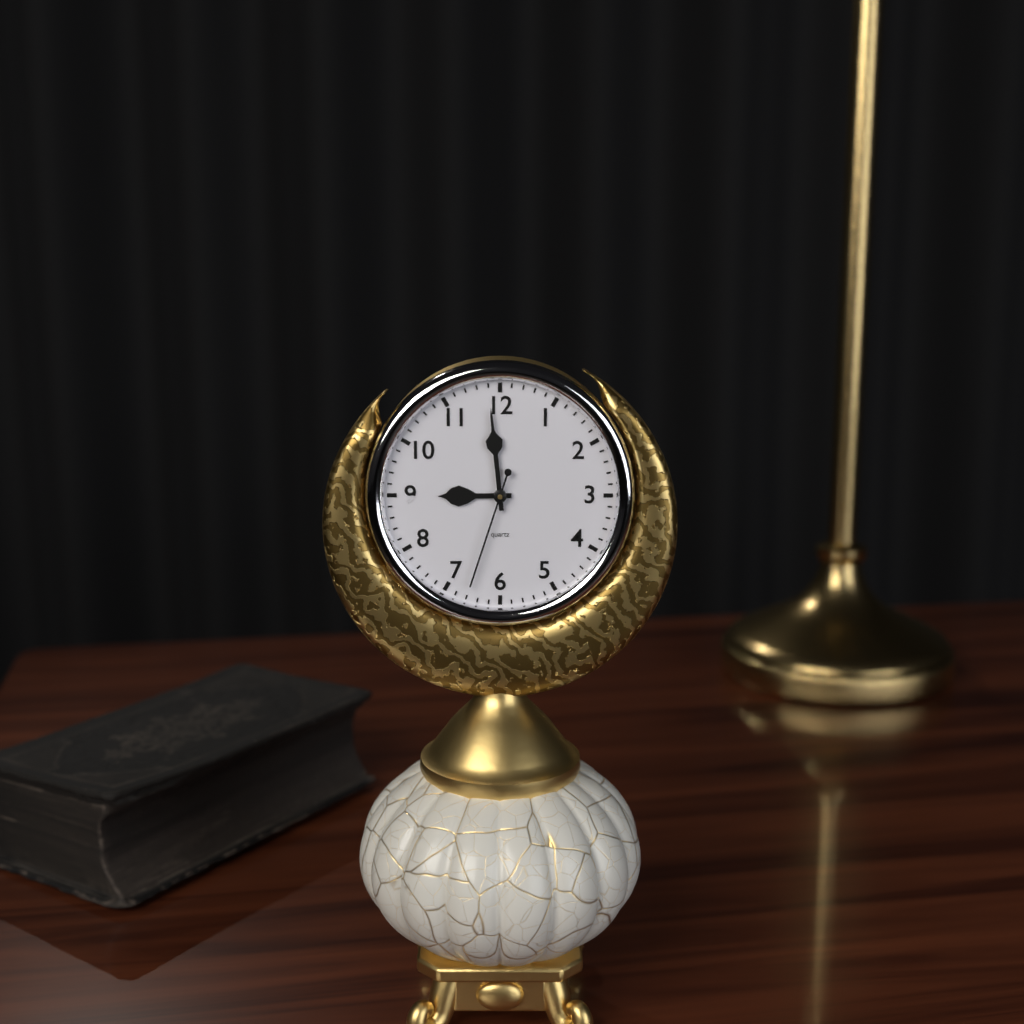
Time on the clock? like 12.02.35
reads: 8.59.33
